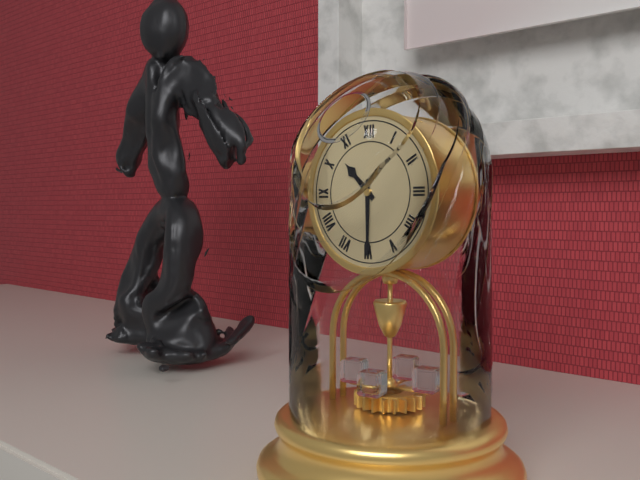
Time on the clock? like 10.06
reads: 10.30
